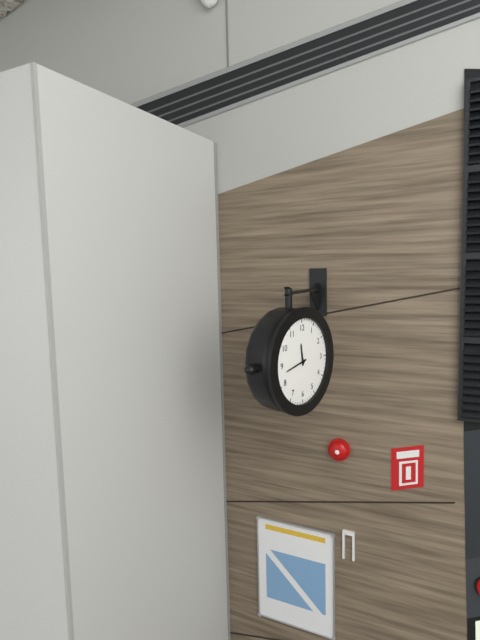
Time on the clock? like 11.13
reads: 11.43
